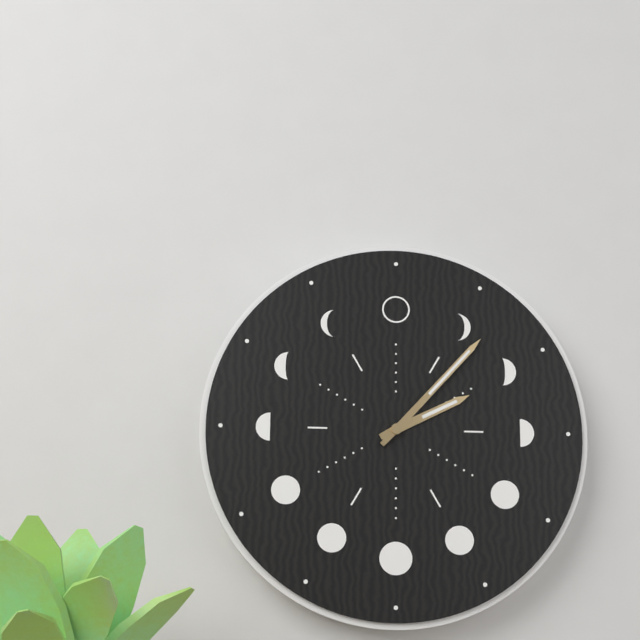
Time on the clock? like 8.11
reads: 2.07
